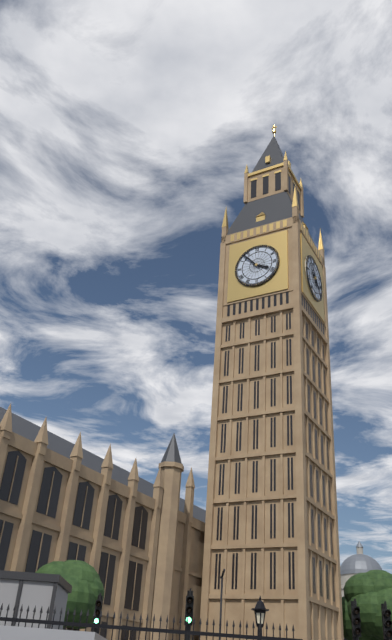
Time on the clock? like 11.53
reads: 3.53
